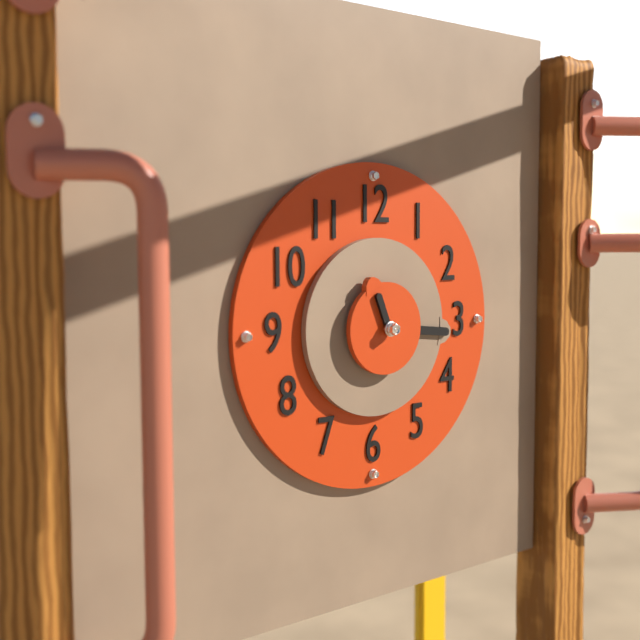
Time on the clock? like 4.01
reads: 11.16
